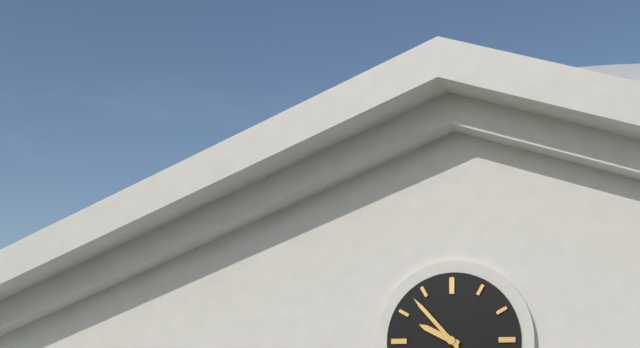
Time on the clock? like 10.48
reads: 9.53
